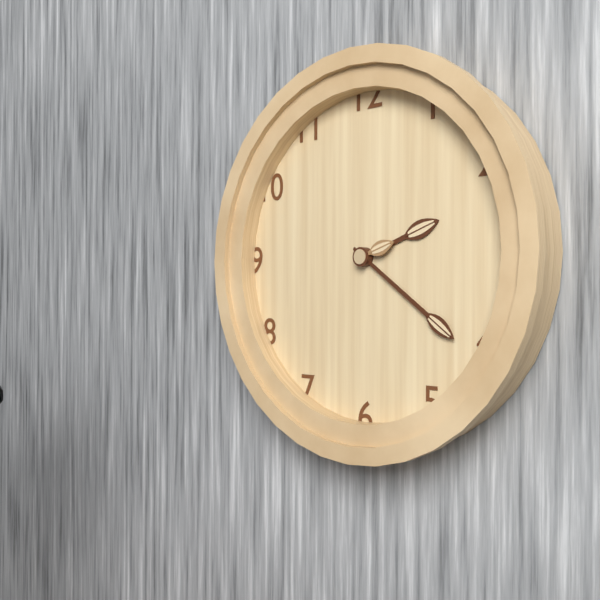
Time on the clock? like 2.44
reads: 2.21
